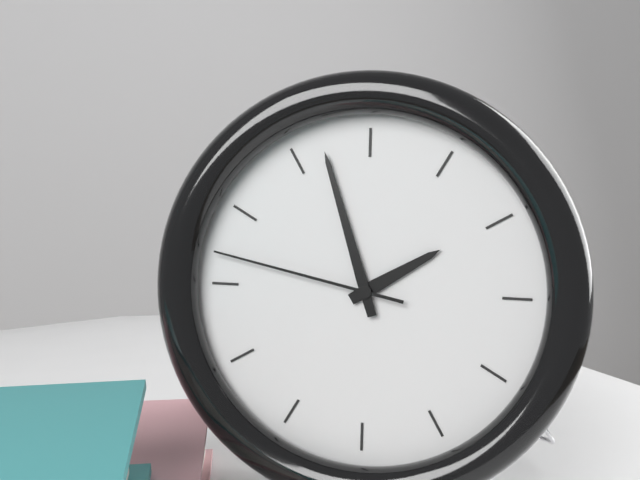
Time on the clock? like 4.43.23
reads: 1.57.47
